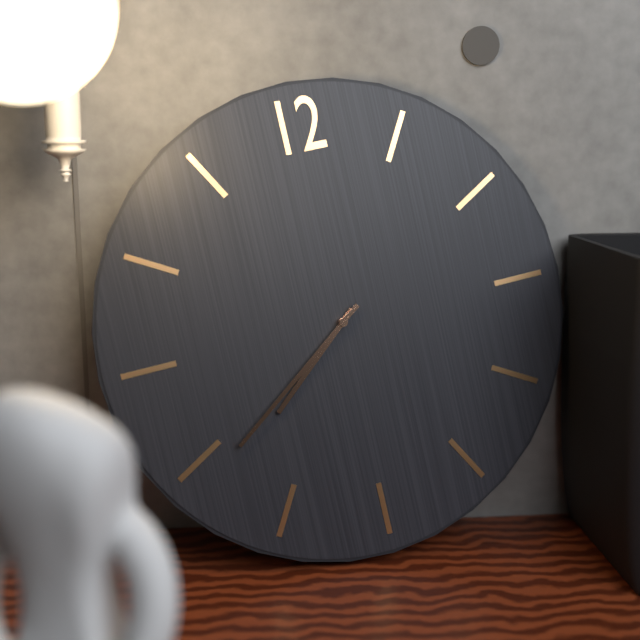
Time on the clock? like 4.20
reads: 7.39
